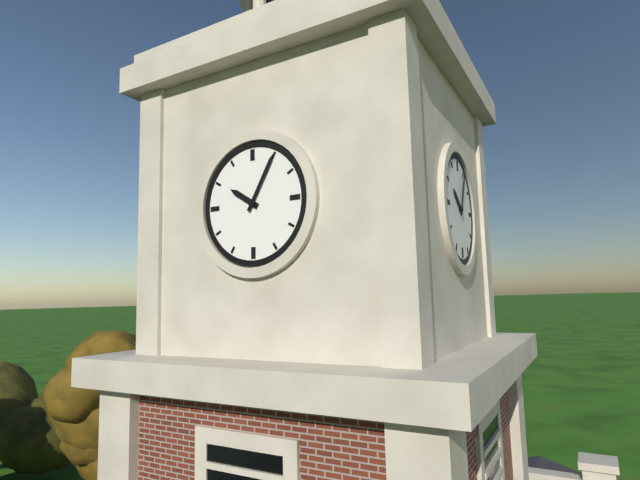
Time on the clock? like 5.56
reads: 10.05
